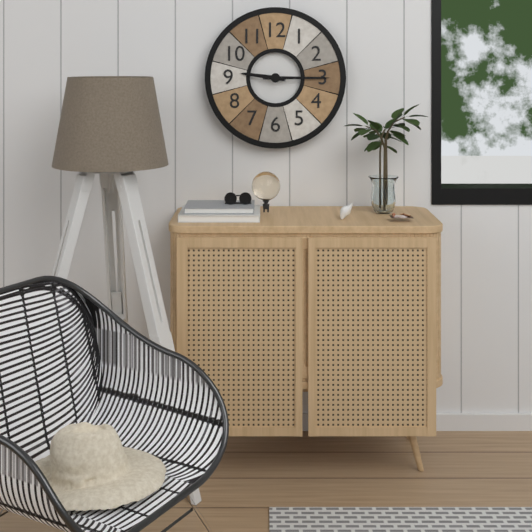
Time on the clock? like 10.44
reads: 9.15
